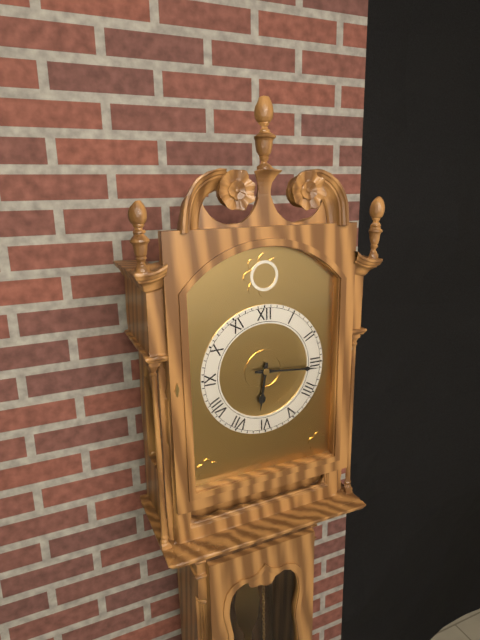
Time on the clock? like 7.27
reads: 6.16
